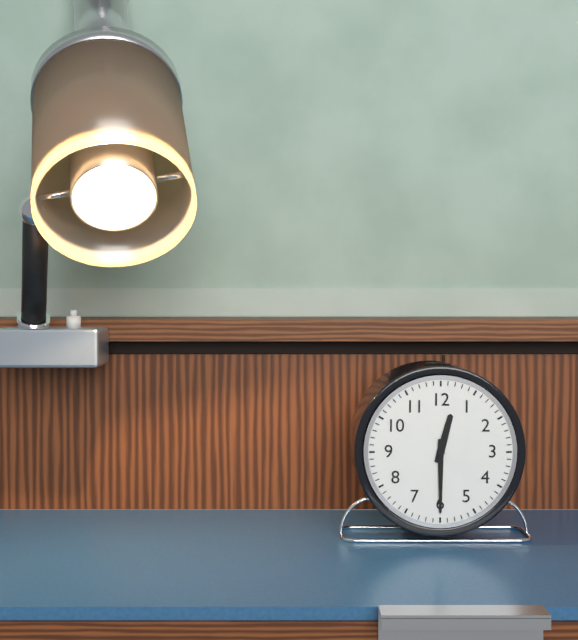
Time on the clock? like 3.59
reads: 12.30
